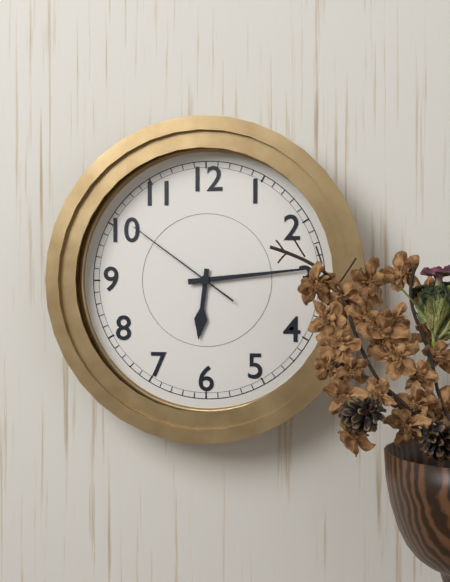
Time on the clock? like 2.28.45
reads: 6.14.51
